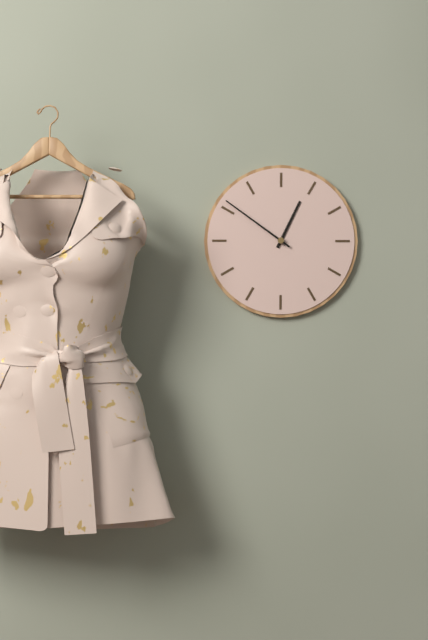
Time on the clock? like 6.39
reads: 12.51
